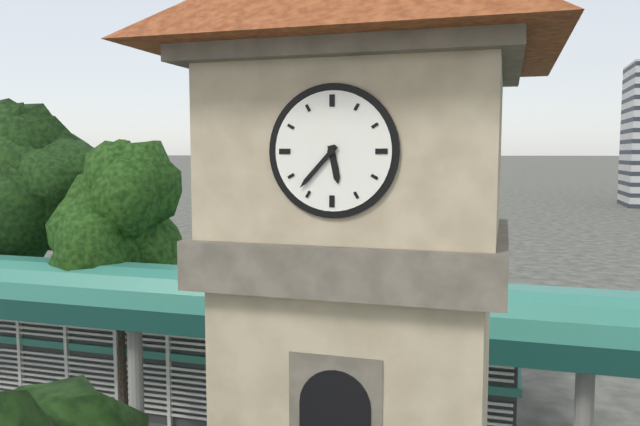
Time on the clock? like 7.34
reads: 5.37
